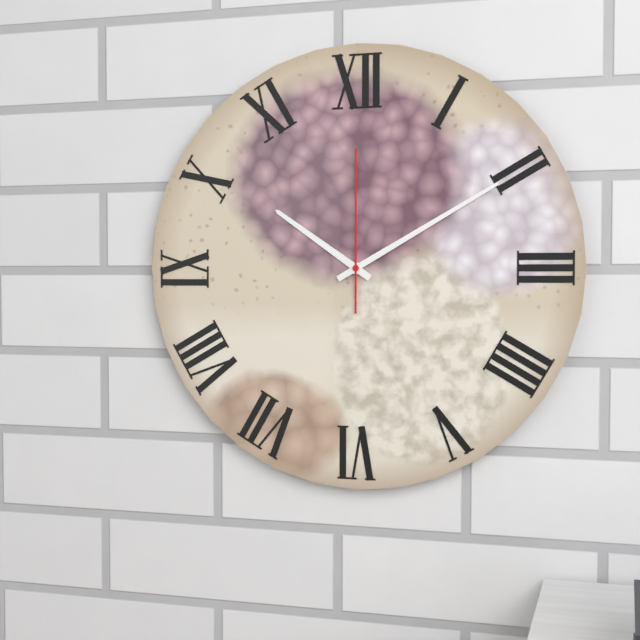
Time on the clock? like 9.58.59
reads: 10.10.00
